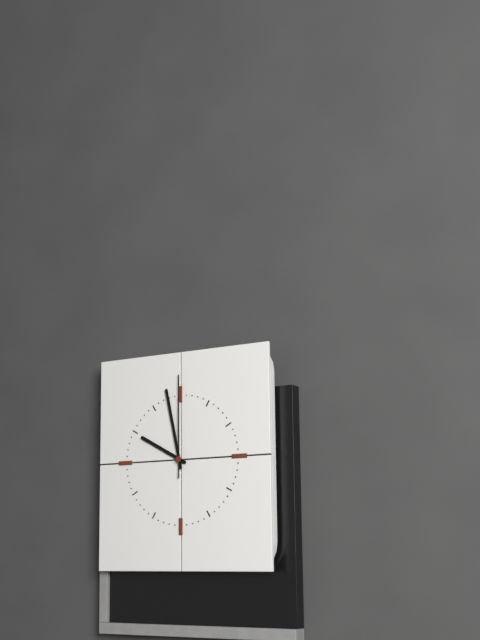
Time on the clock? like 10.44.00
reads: 9.58.00
